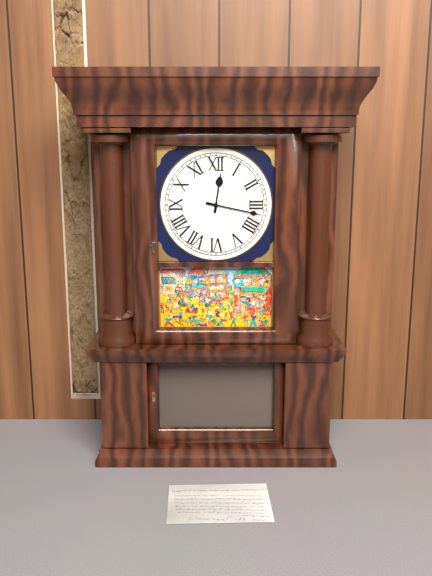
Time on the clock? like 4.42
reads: 12.17
